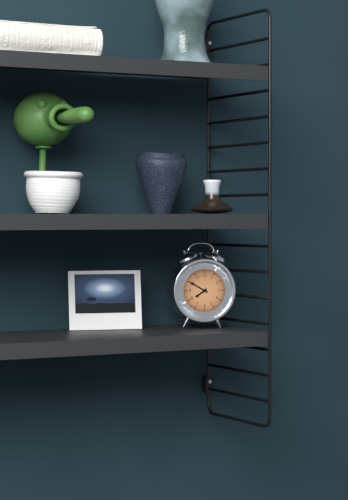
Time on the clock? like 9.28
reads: 7.50
